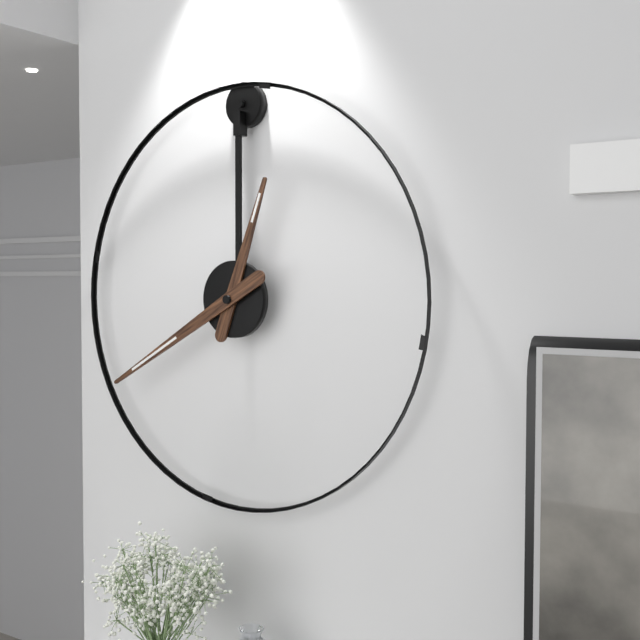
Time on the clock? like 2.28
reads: 12.40
